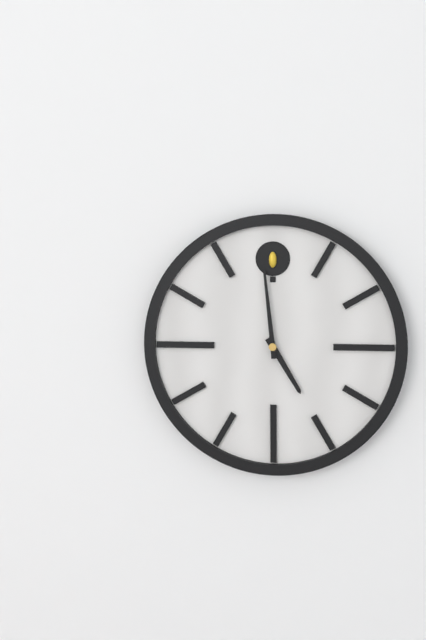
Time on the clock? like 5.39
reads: 4.59
